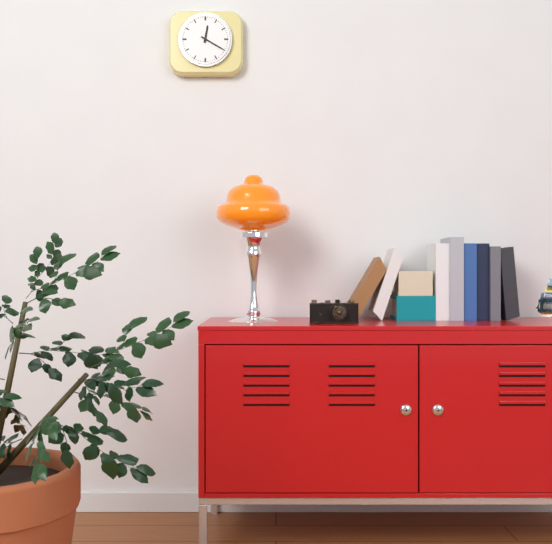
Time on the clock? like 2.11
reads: 12.20
